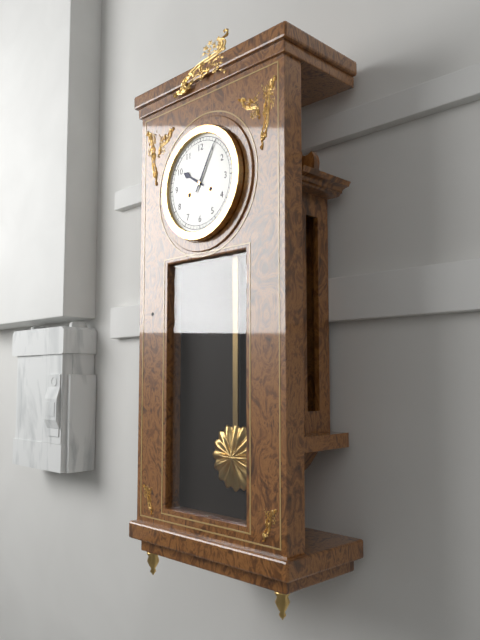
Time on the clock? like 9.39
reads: 10.05
